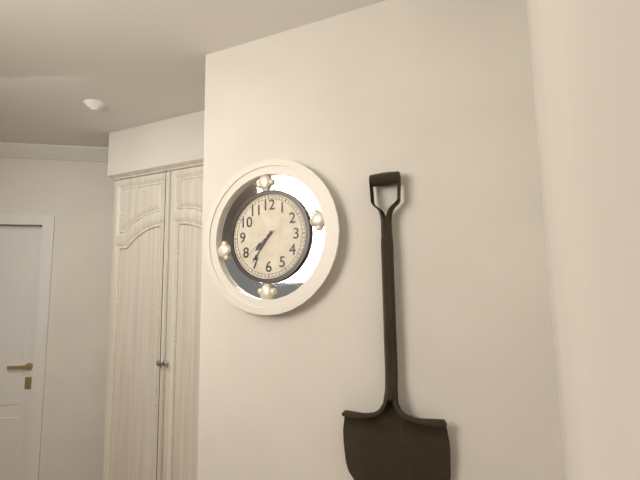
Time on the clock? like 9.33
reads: 7.36
